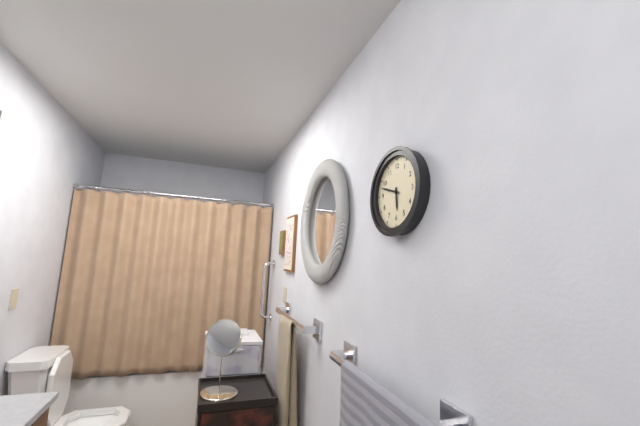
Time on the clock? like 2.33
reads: 5.48
